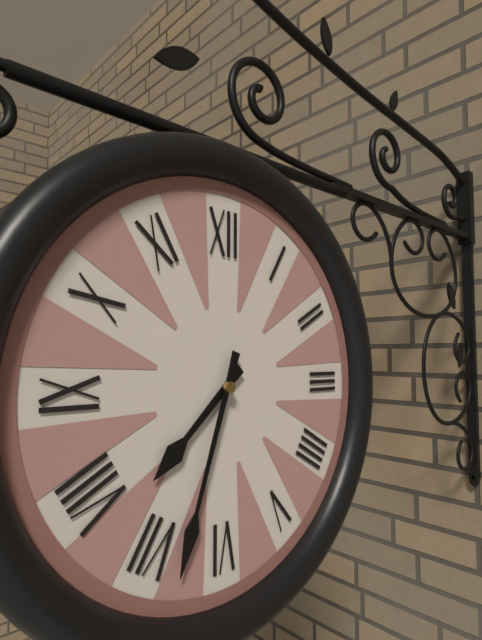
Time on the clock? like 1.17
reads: 7.33
